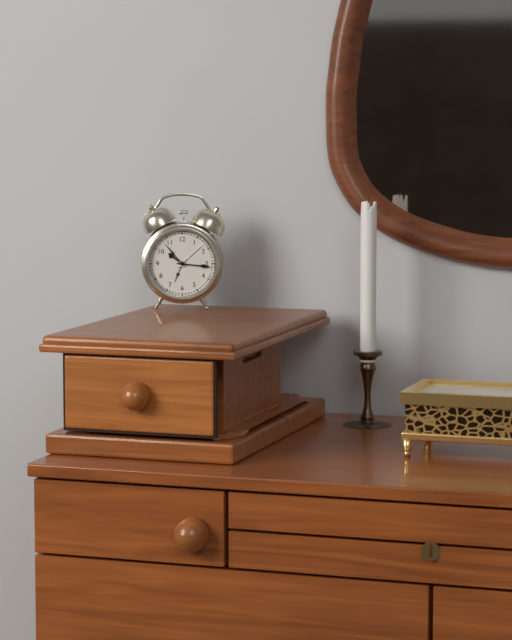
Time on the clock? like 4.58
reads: 10.16
